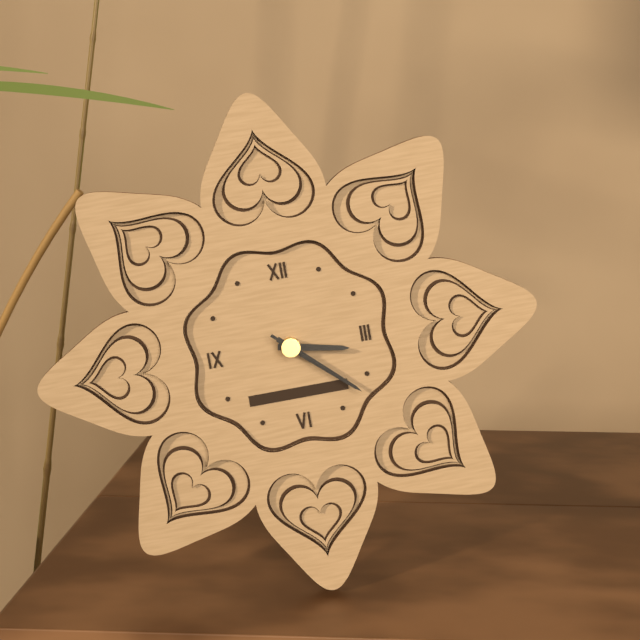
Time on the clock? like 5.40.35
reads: 3.22.22
